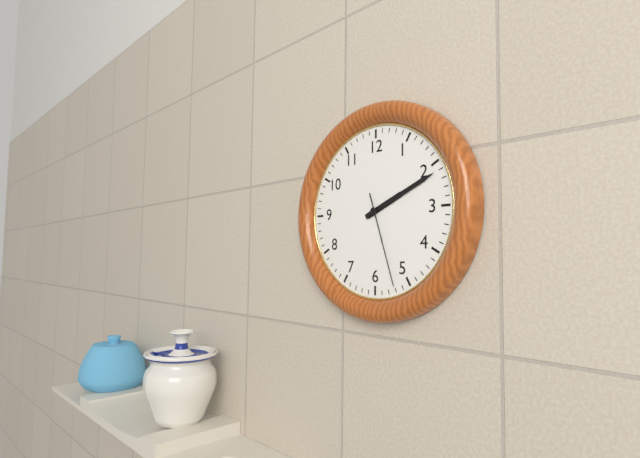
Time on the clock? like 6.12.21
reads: 2.11.27
